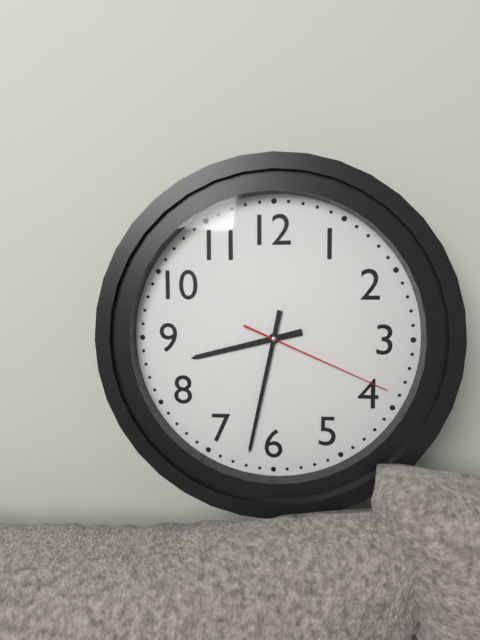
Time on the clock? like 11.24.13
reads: 8.32.19
